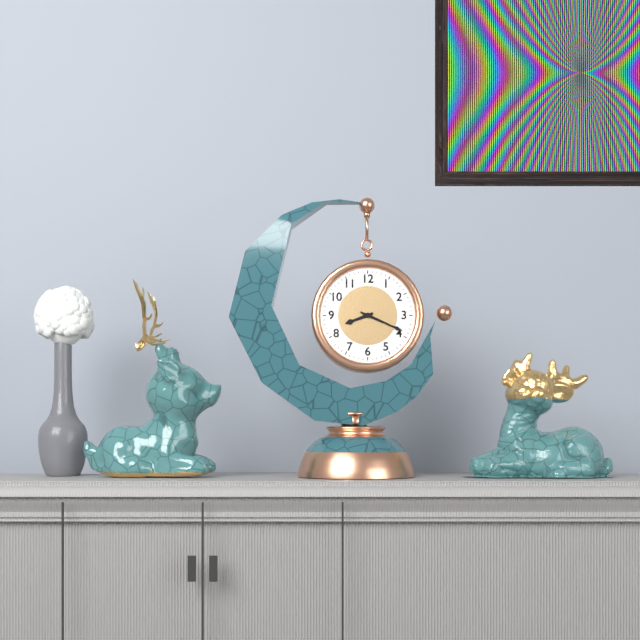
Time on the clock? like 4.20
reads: 8.19
